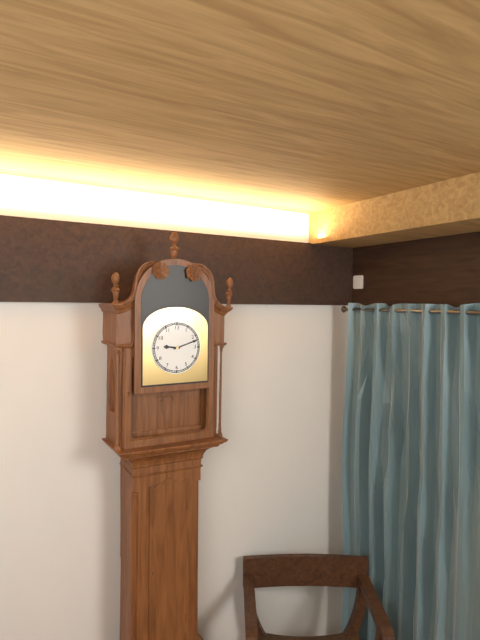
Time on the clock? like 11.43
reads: 9.12
